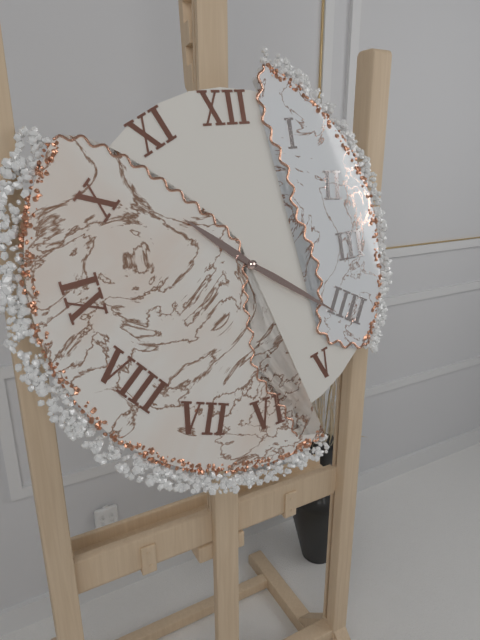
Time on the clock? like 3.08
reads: 10.21
